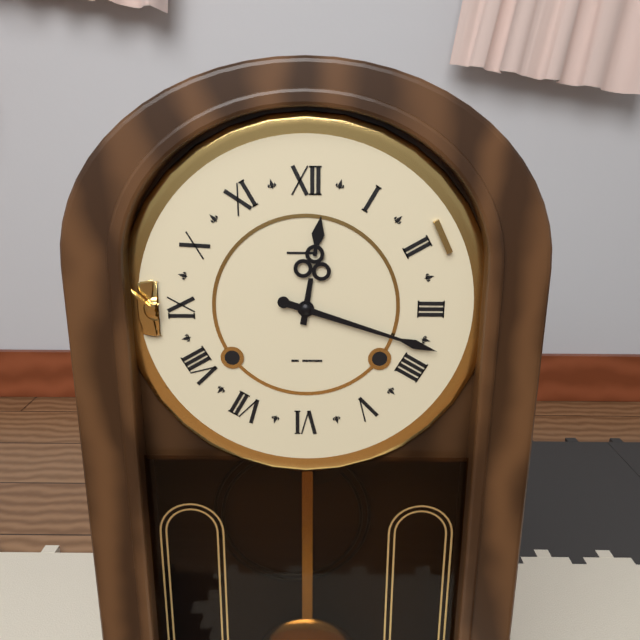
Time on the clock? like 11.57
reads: 12.18
